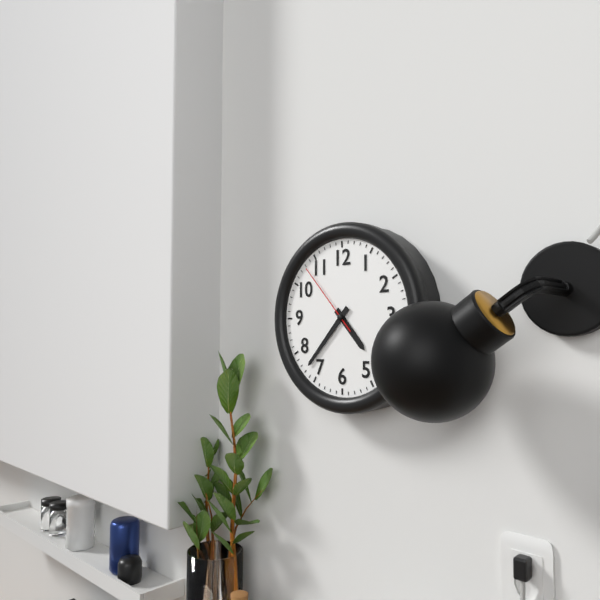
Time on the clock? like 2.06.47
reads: 4.37.53
